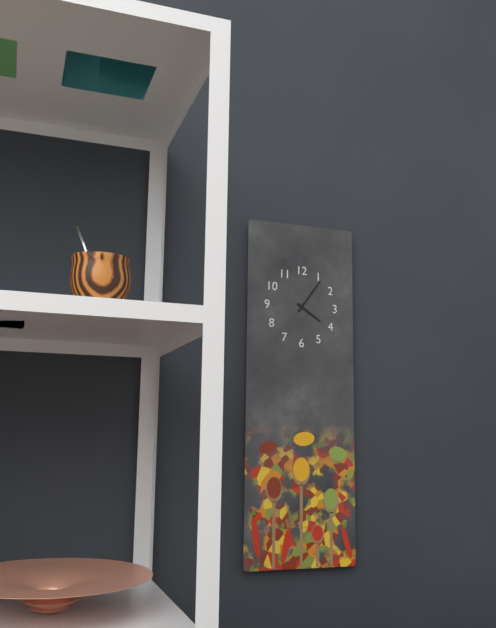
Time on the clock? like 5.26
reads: 4.06
